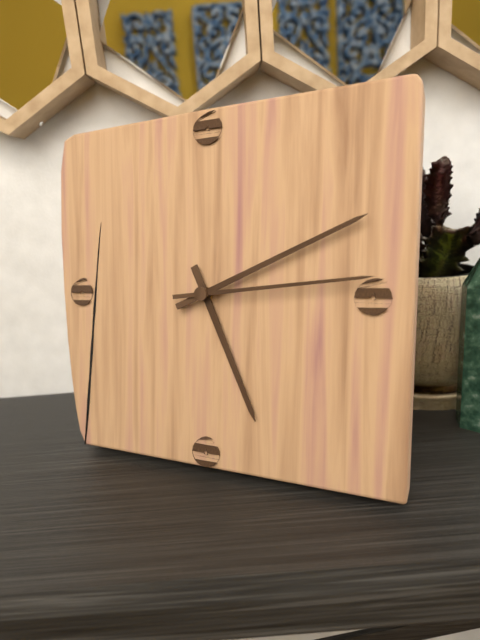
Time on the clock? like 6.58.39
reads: 5.11.14
